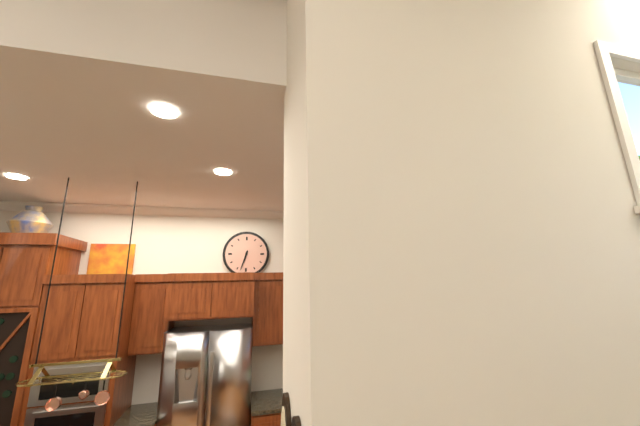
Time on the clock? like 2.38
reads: 6.33
